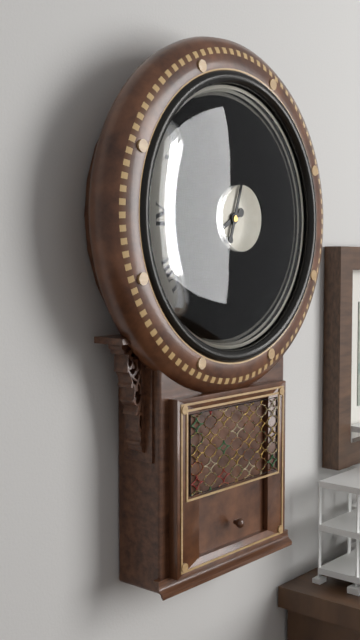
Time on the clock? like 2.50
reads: 8.03
